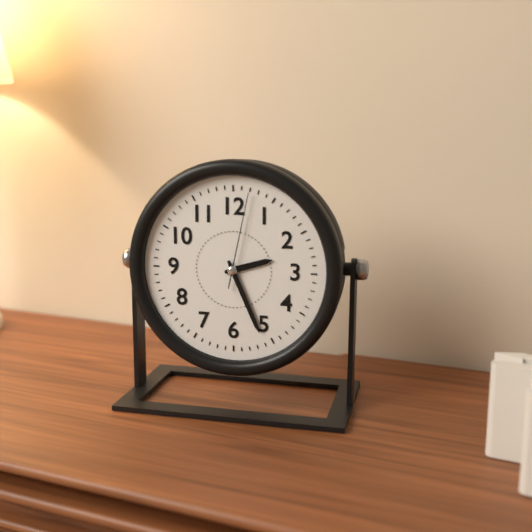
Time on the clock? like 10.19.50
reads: 2.26.02
